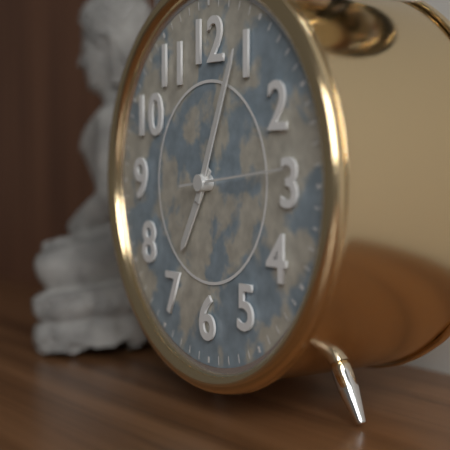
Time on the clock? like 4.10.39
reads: 7.04.14
